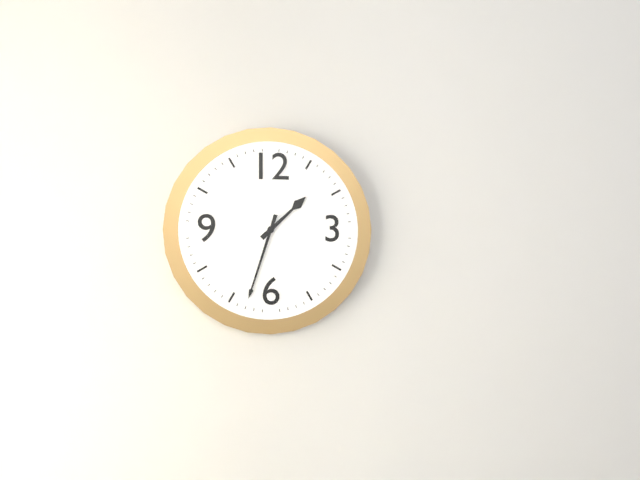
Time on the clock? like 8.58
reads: 1.33
